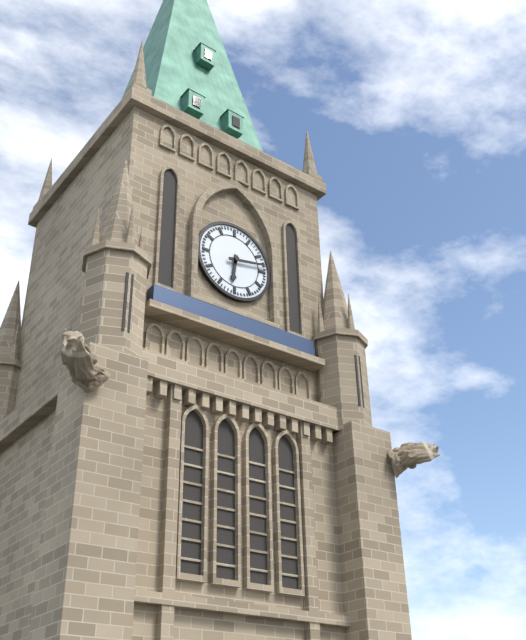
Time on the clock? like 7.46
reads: 6.13
